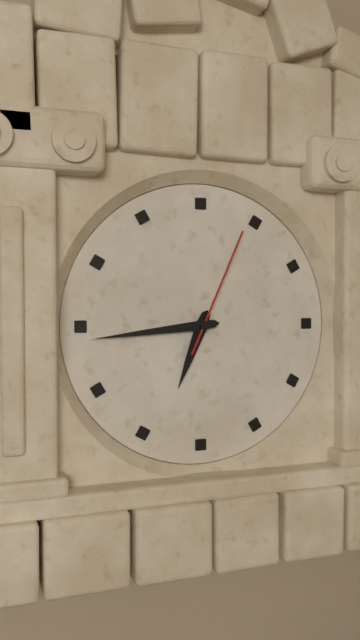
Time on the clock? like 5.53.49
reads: 6.44.04
